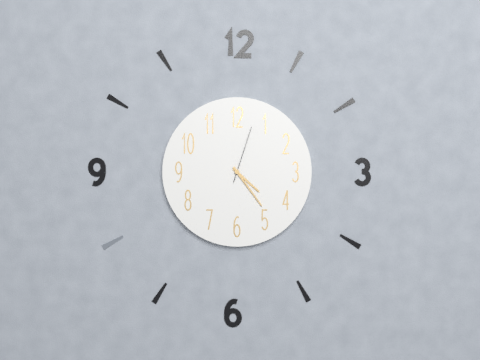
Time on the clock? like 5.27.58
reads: 4.24.03
